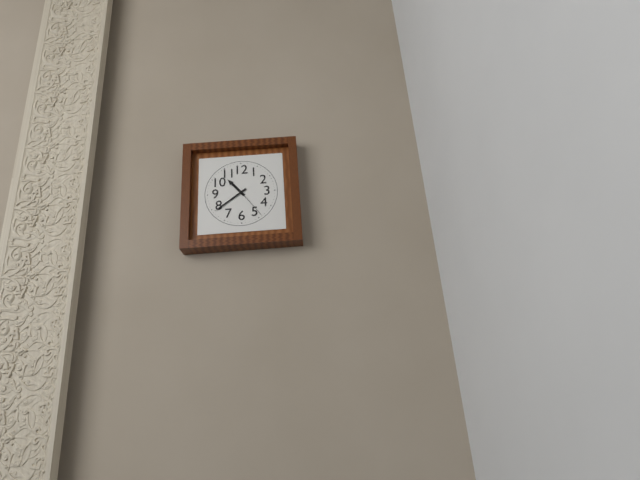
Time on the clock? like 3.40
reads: 10.39
